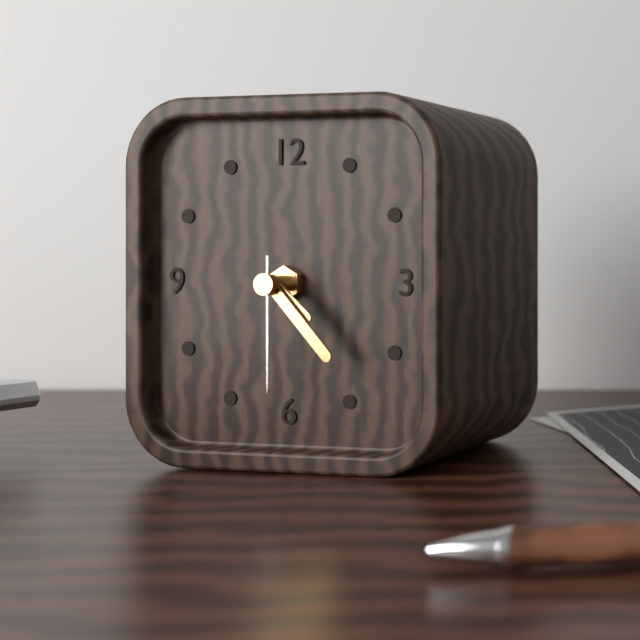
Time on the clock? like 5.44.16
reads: 4.23.30
